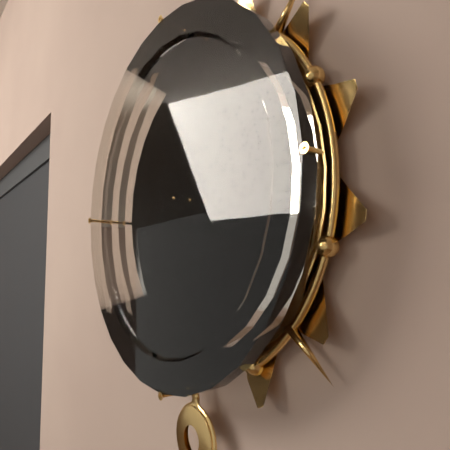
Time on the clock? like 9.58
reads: 10.06
